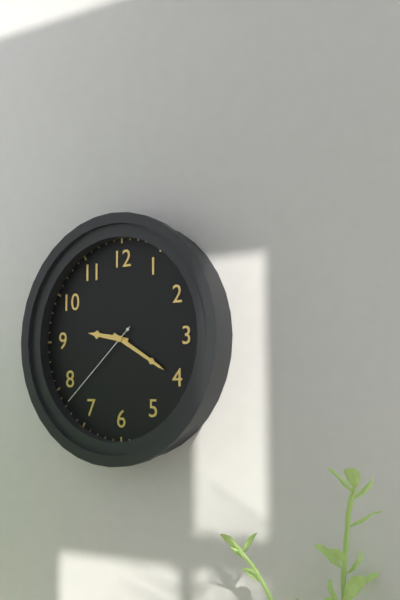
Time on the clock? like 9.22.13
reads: 9.20.38
